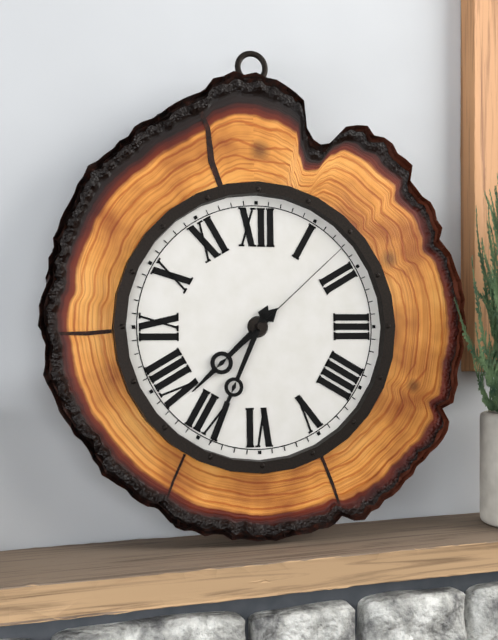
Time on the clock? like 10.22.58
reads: 7.34.08
